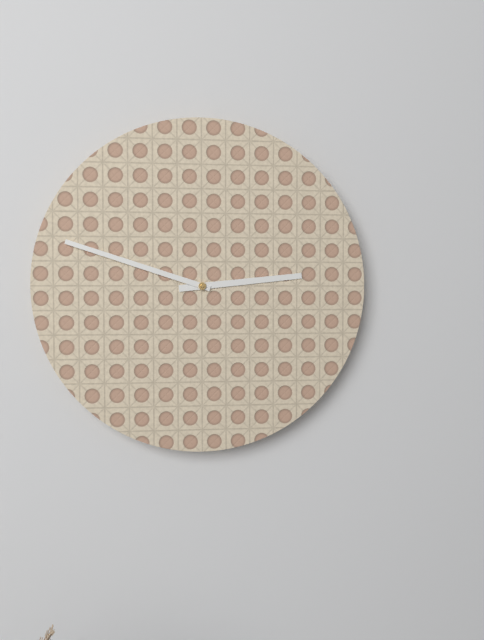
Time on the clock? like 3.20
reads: 2.48
